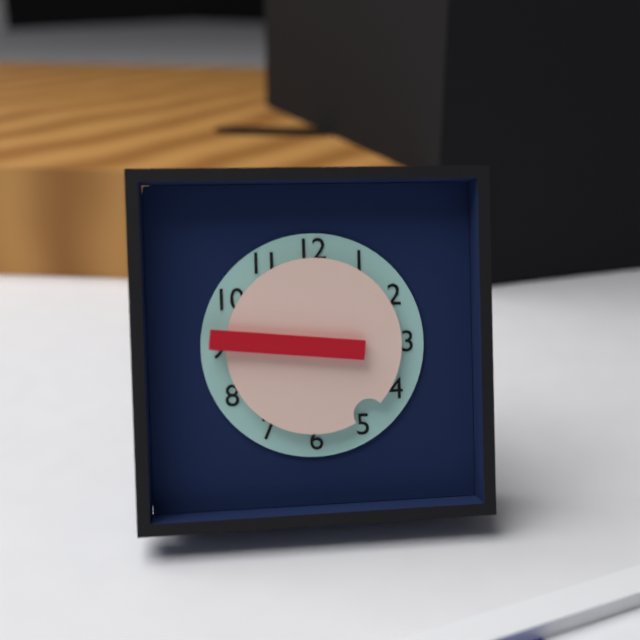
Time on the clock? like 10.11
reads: 4.46
